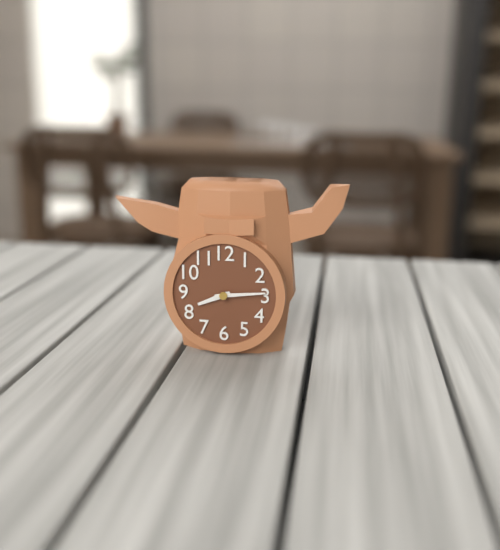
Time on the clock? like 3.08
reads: 8.14
